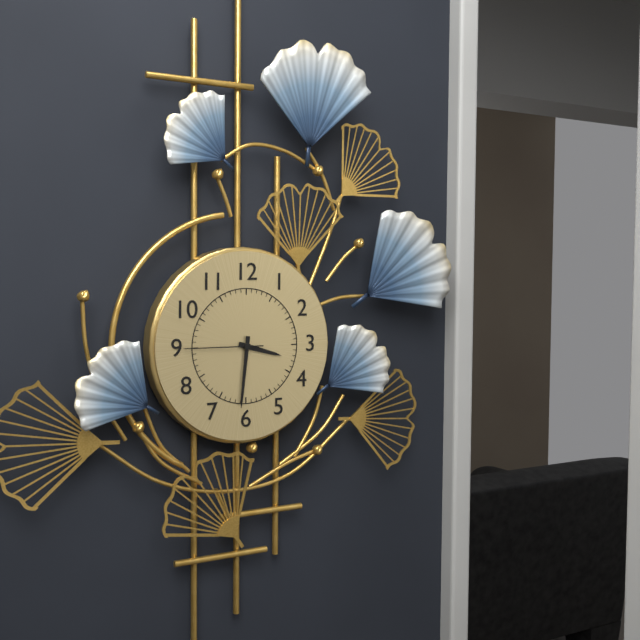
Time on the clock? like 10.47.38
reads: 3.31.45
